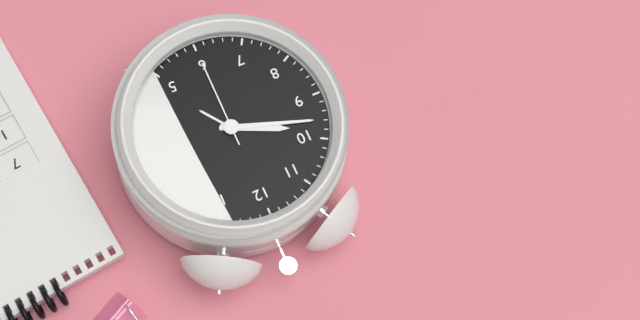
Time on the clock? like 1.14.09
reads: 9.48.30
